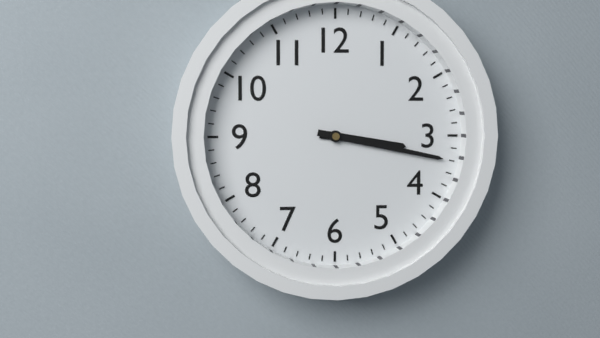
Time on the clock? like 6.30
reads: 3.17
